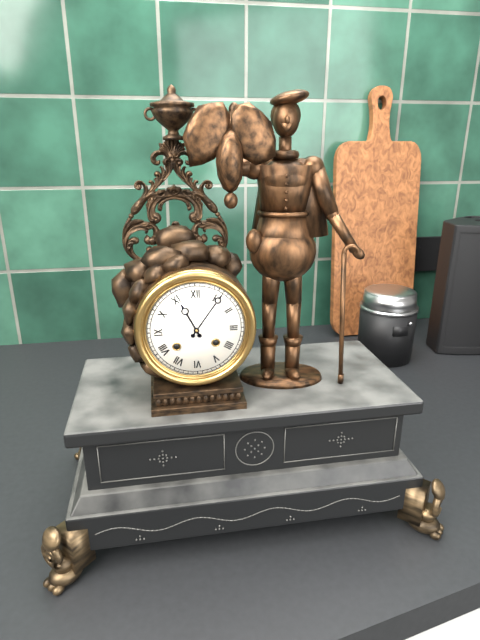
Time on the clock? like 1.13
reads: 11.06
